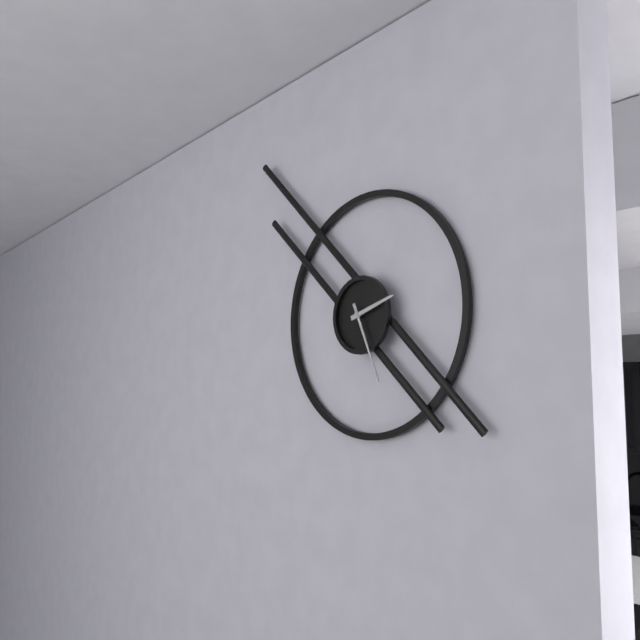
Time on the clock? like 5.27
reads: 2.26
